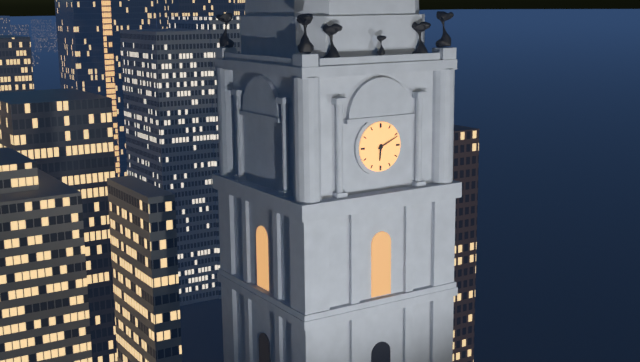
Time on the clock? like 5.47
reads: 6.11
